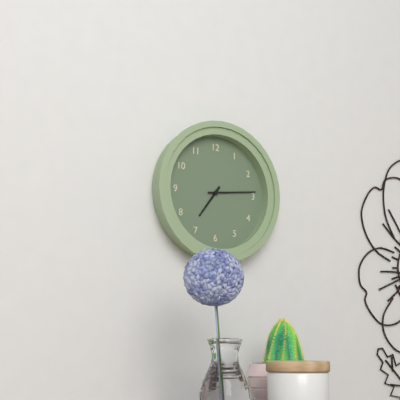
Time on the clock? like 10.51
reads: 7.14
